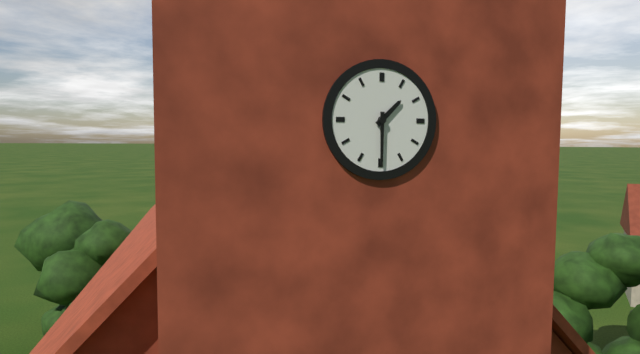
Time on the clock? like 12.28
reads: 1.30
